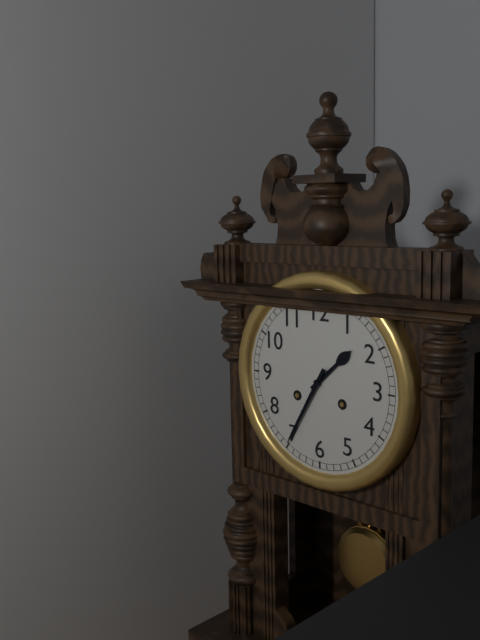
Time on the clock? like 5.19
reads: 1.35
